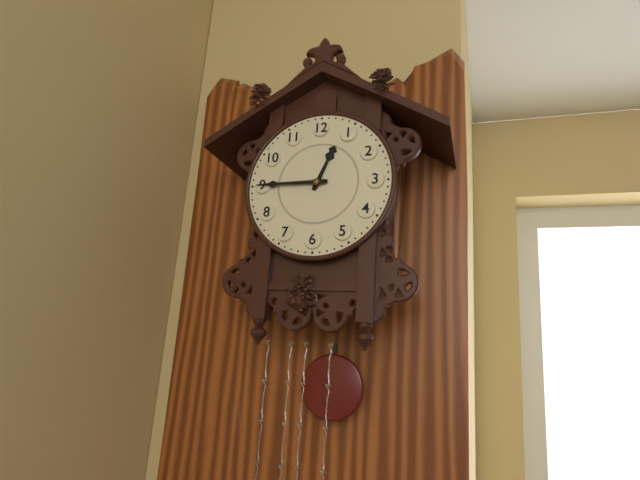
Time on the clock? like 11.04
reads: 12.45
